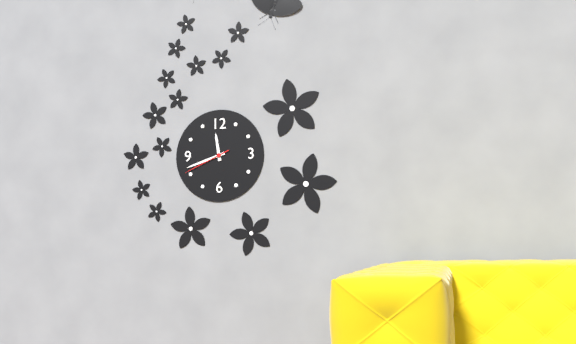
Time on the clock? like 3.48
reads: 11.42
